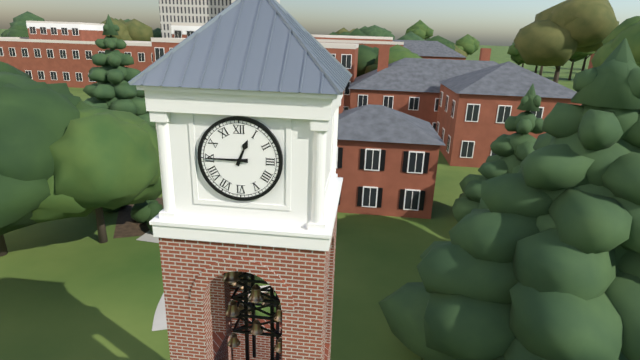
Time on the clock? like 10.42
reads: 12.45
